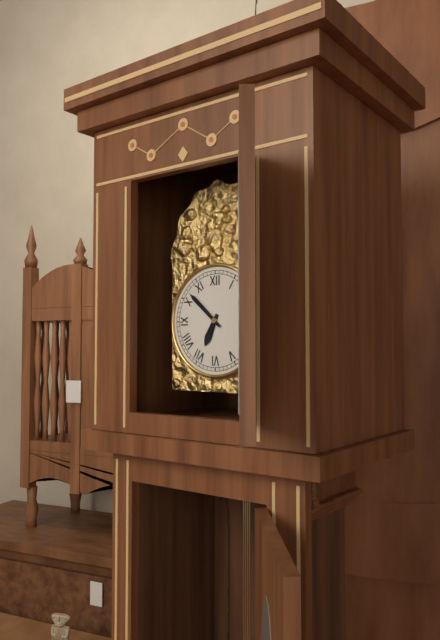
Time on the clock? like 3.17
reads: 6.52
